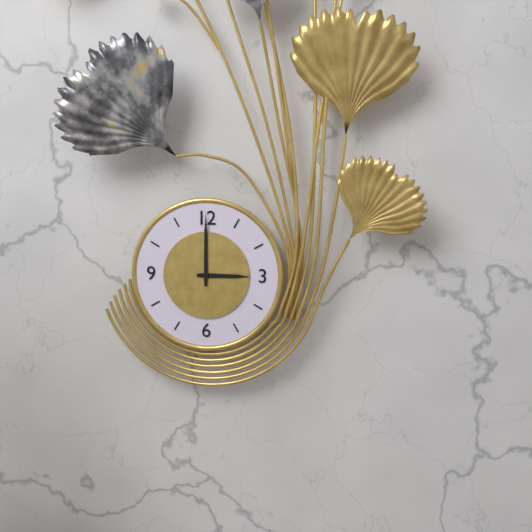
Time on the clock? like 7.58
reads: 3.00
